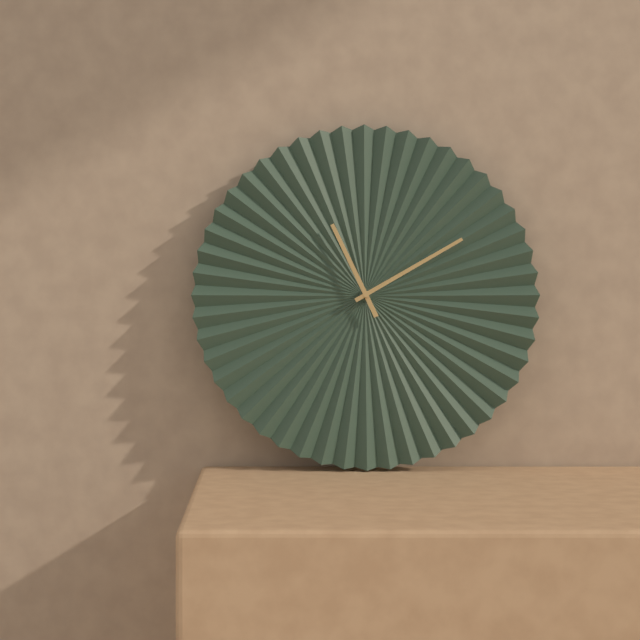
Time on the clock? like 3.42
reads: 11.10
